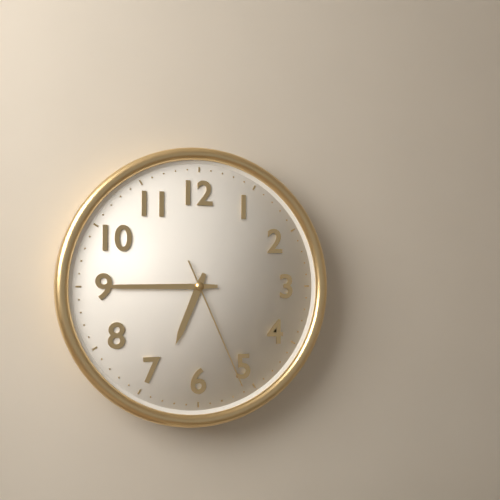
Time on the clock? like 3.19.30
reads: 6.45.26
